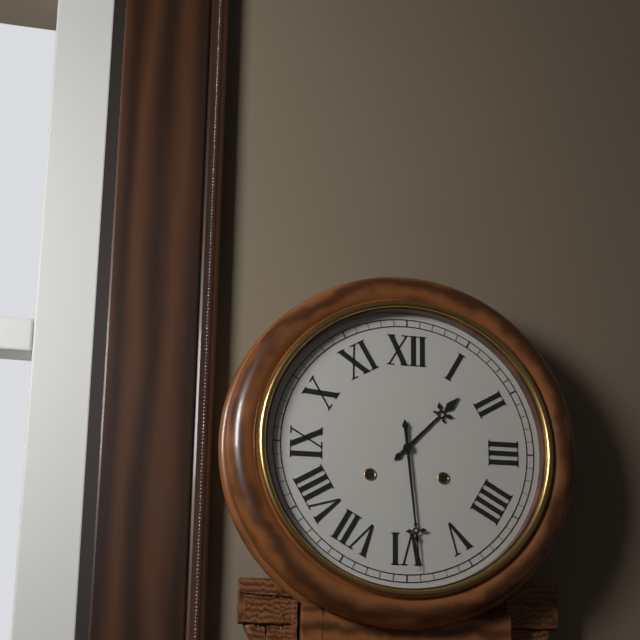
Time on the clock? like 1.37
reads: 1.29
